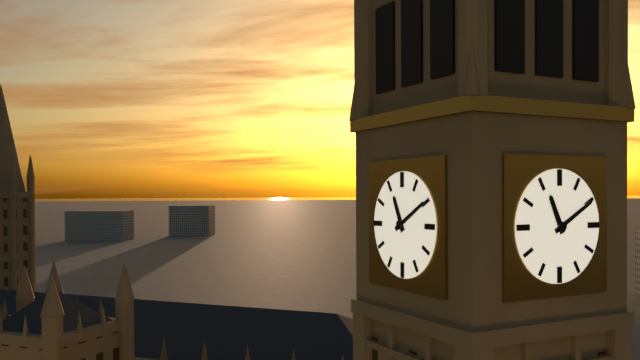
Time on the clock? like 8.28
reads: 11.10
